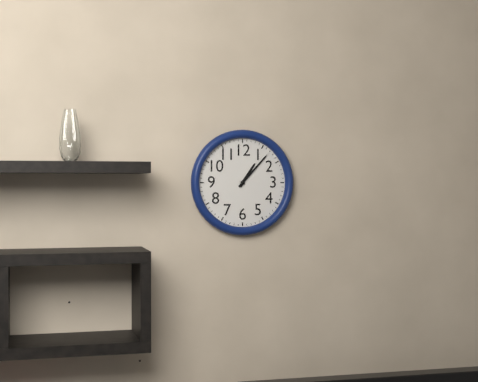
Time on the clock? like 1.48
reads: 1.07
